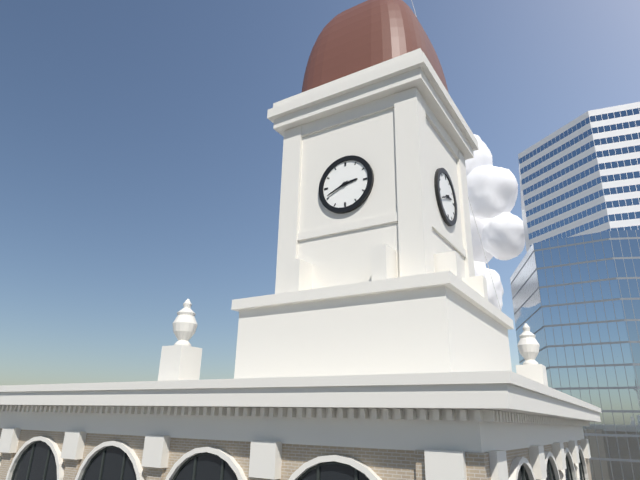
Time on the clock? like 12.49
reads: 2.41
